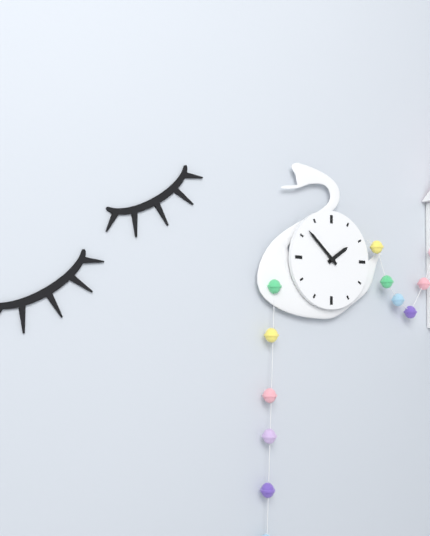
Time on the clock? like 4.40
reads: 1.52
